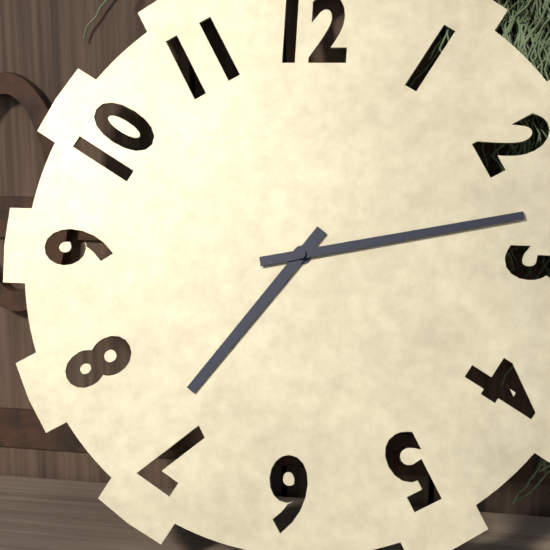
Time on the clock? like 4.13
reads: 7.13
